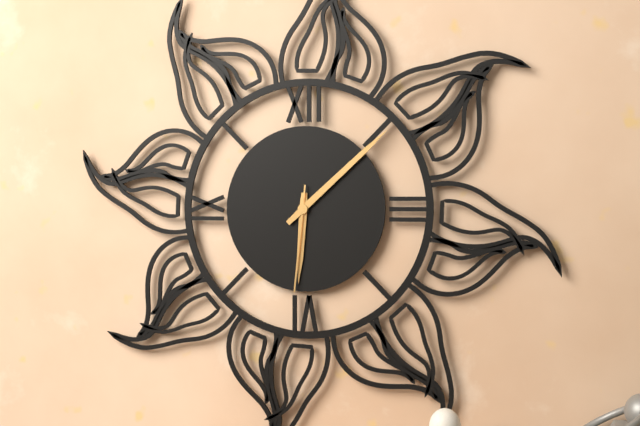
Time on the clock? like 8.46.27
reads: 6.08.31
